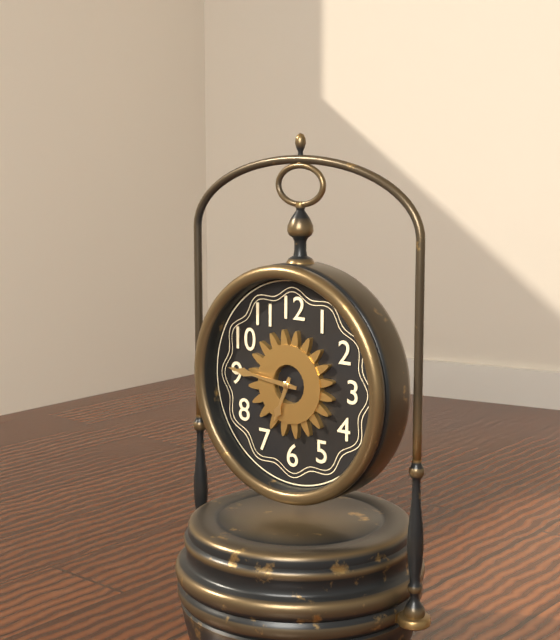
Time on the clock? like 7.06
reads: 6.46
